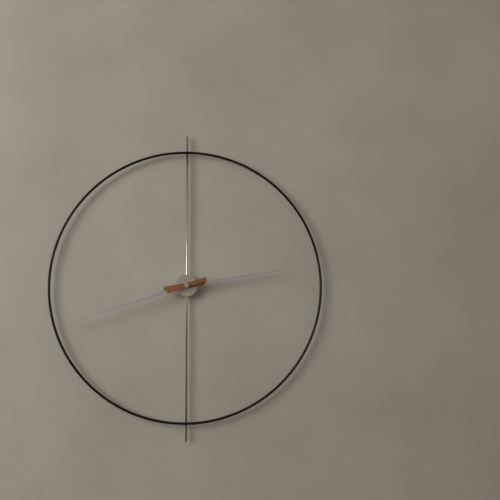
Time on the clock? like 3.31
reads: 2.42
